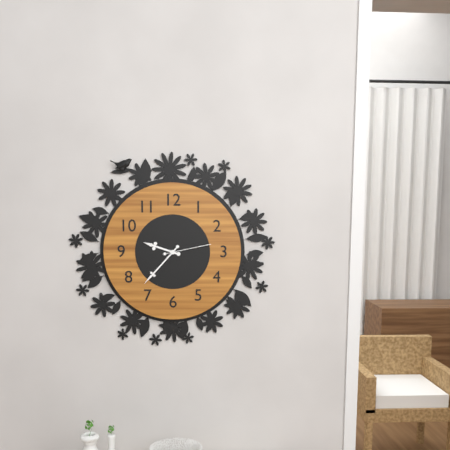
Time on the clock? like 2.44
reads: 9.37
